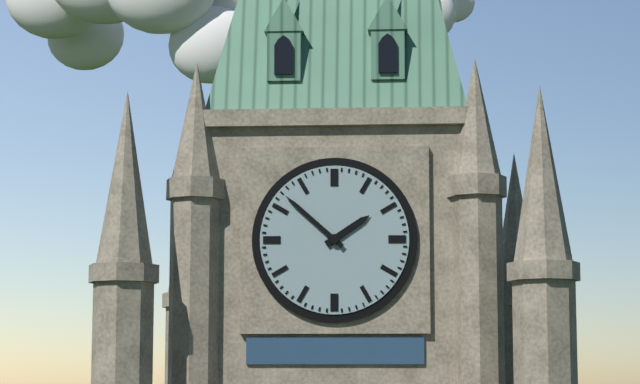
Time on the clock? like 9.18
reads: 1.52
